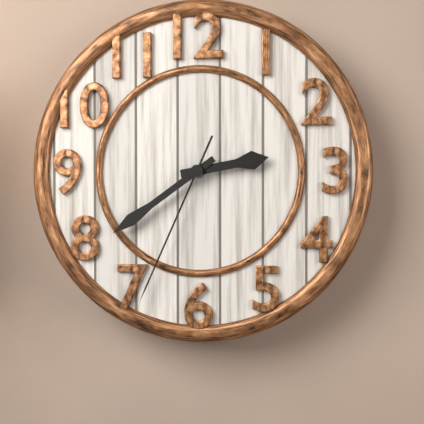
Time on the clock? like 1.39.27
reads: 2.39.34
